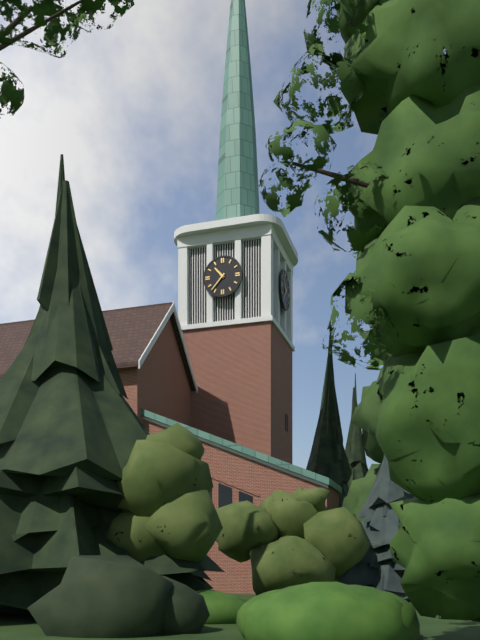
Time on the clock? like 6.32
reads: 10.37
